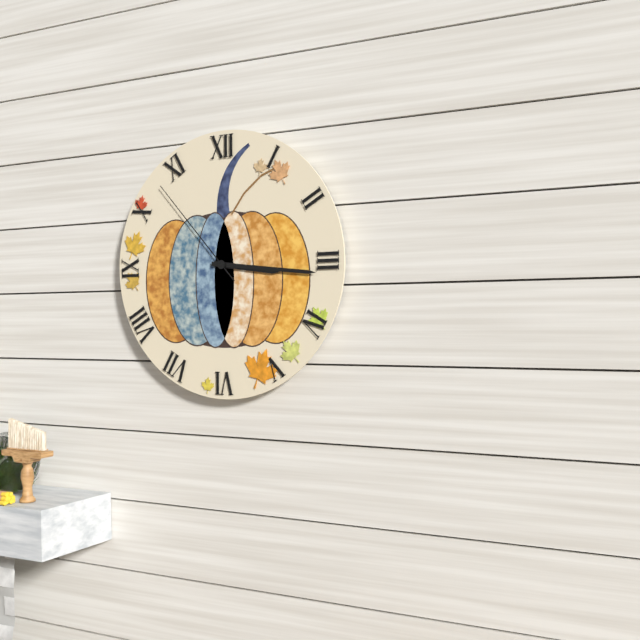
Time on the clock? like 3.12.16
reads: 3.16.53
